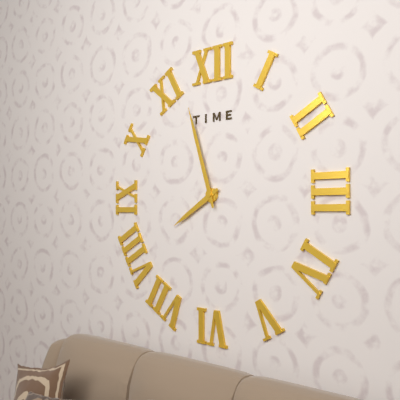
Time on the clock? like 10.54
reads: 7.57
